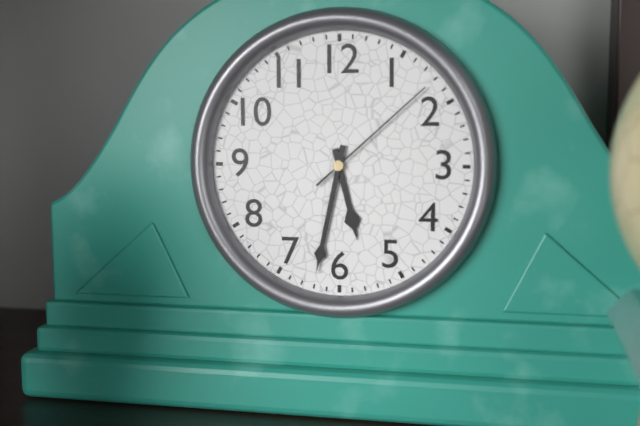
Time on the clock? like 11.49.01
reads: 5.32.08
